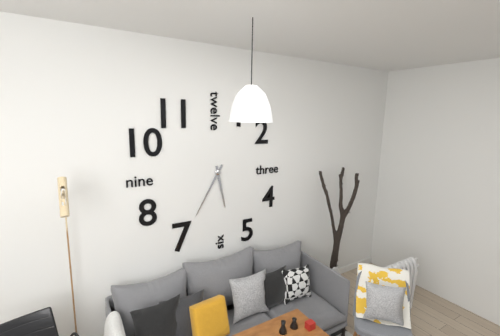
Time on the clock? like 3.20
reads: 5.35
